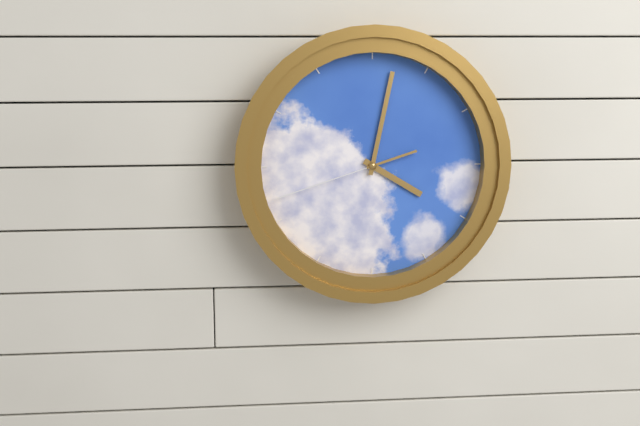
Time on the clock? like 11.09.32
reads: 4.02.42
